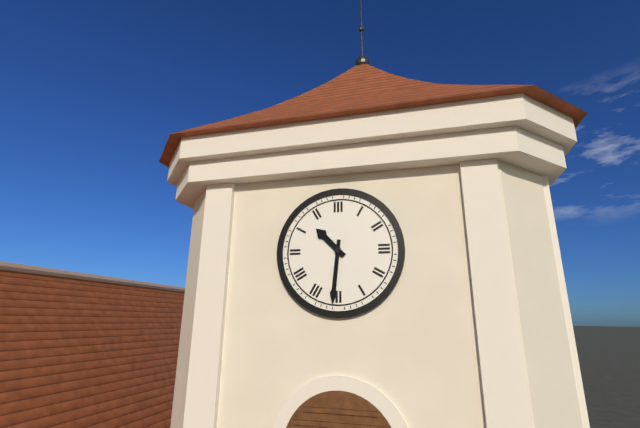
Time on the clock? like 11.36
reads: 10.31
